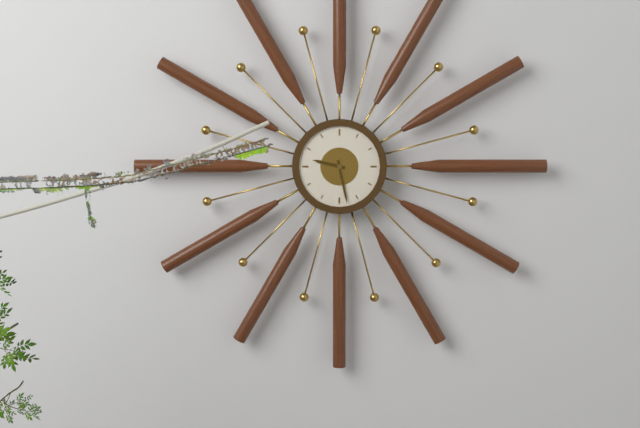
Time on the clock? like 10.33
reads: 9.28
